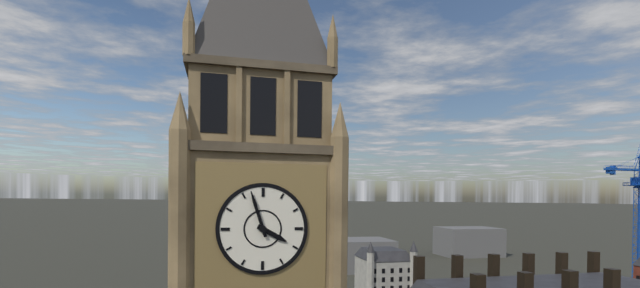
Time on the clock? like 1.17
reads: 3.57
